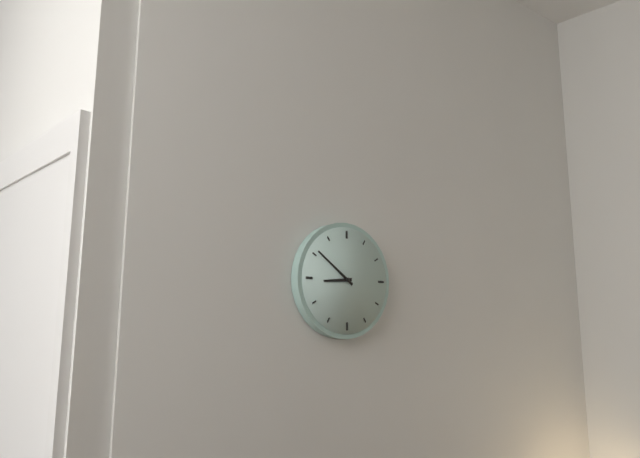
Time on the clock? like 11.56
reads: 8.51
